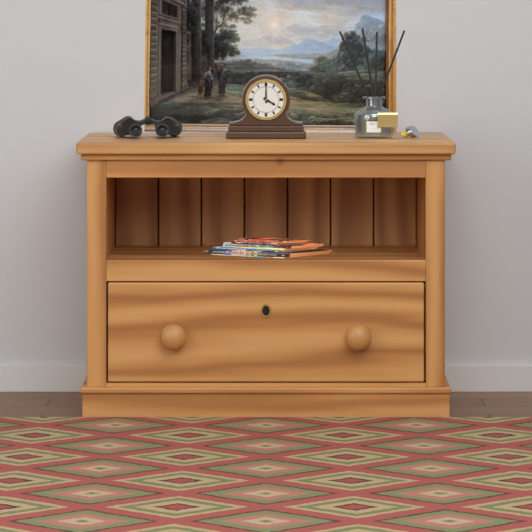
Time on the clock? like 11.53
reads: 4.00
